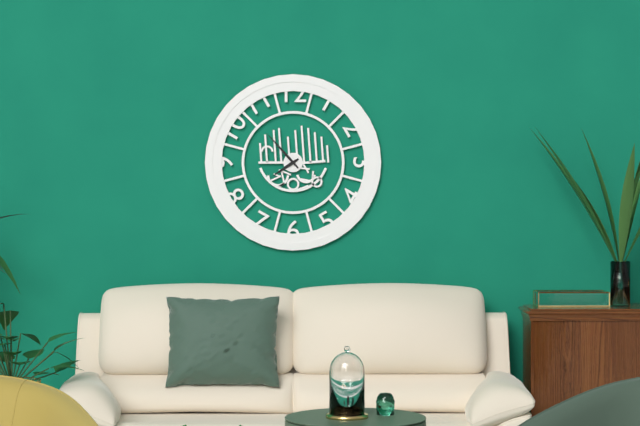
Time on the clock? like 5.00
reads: 7.53
